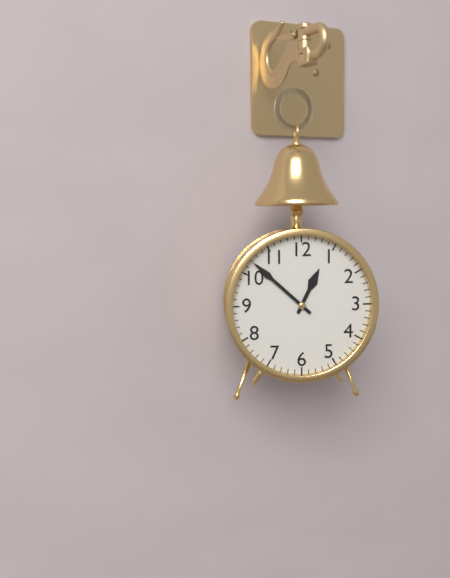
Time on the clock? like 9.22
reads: 12.52
